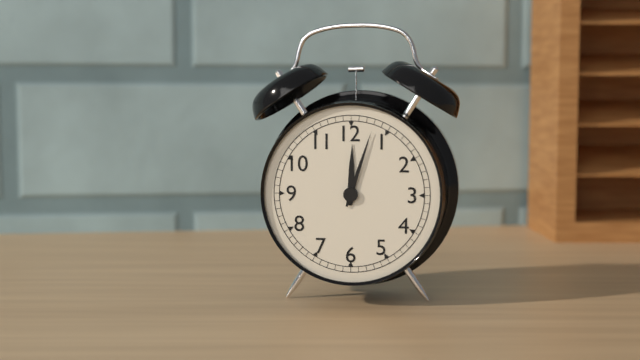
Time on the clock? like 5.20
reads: 12.03
